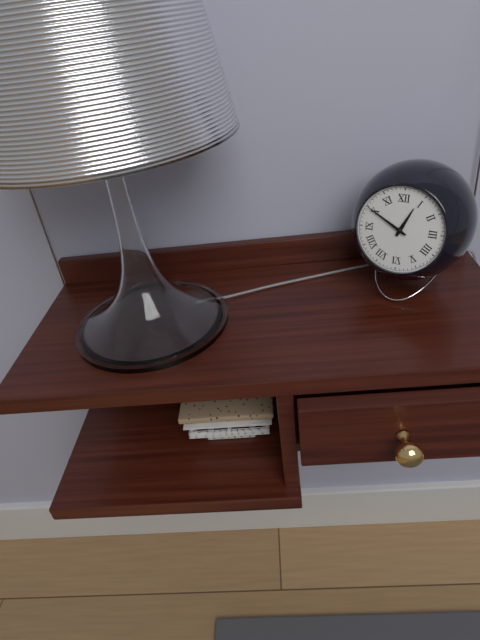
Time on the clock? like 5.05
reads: 12.50
